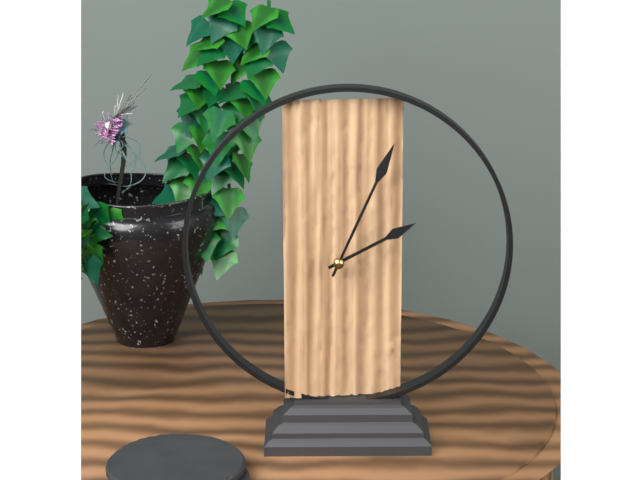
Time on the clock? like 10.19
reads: 2.04
